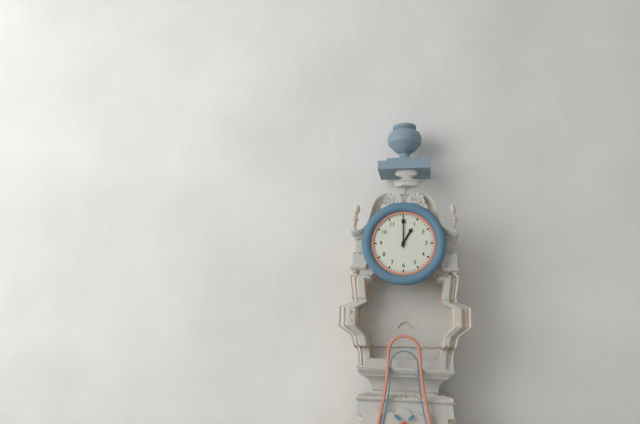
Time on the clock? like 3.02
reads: 1.00
